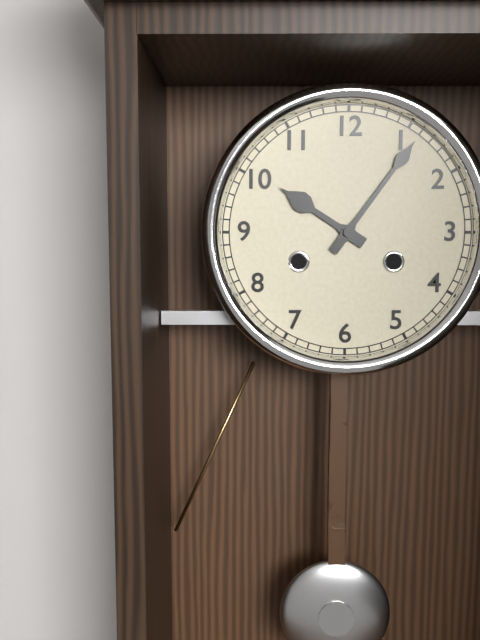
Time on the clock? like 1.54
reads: 10.06
